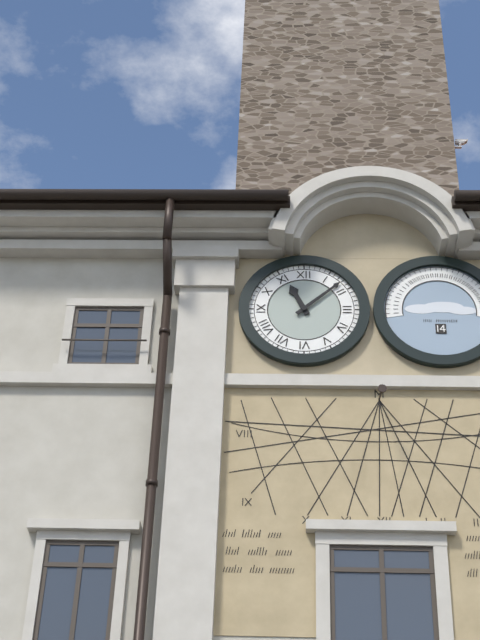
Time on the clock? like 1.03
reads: 11.08
